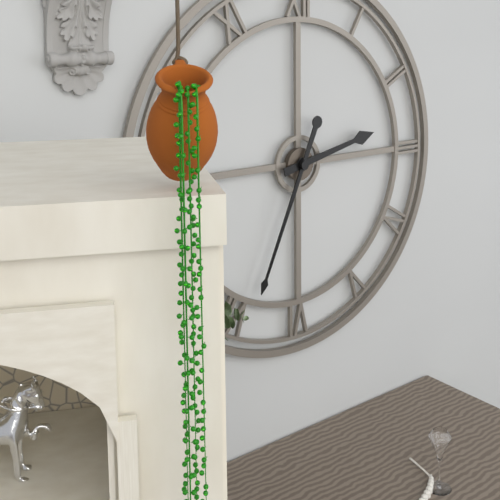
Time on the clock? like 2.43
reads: 2.34
